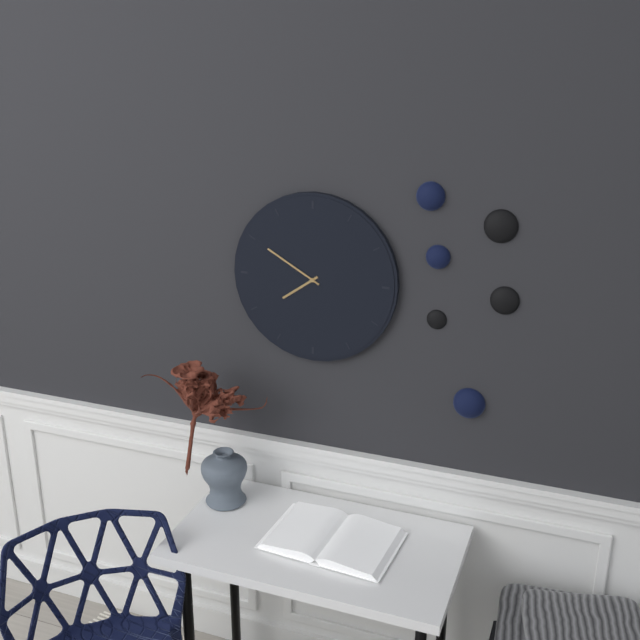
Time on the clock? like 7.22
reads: 7.50
